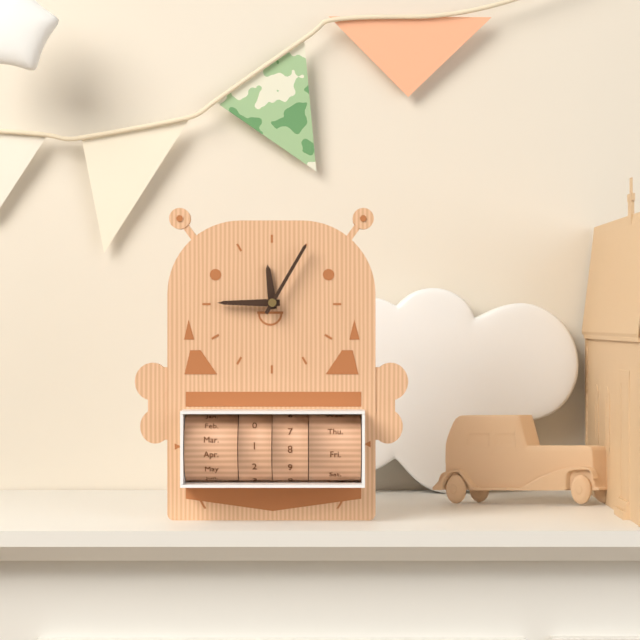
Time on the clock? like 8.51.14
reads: 11.45.05
